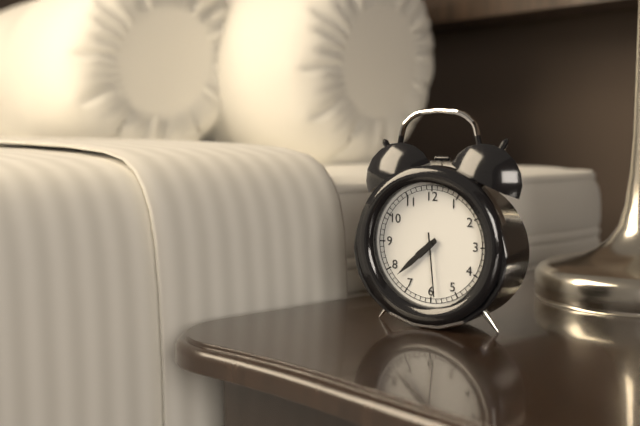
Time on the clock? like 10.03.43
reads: 7.38.29
